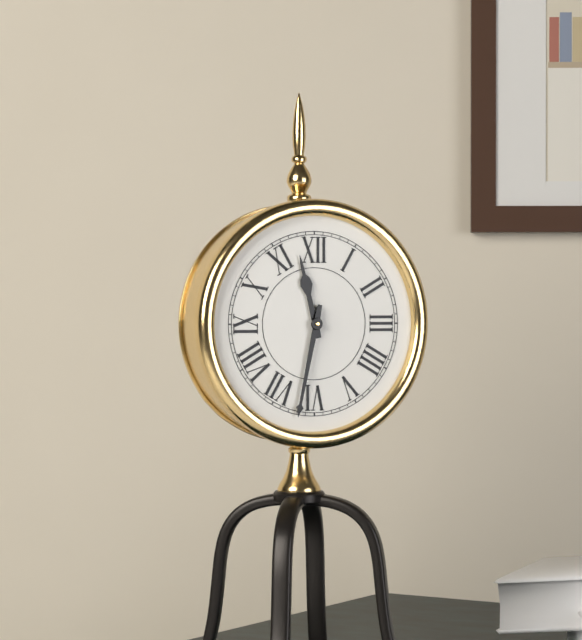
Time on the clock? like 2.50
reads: 11.32
